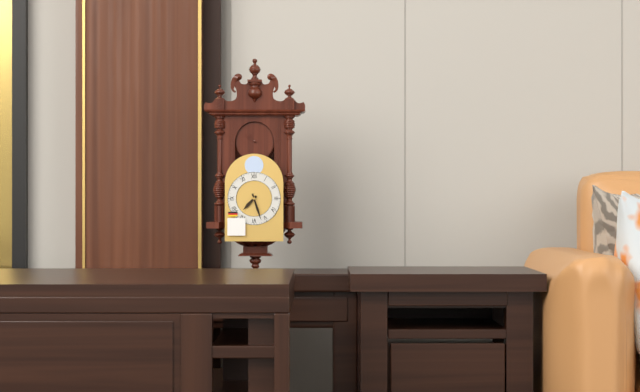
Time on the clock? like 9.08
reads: 7.27
